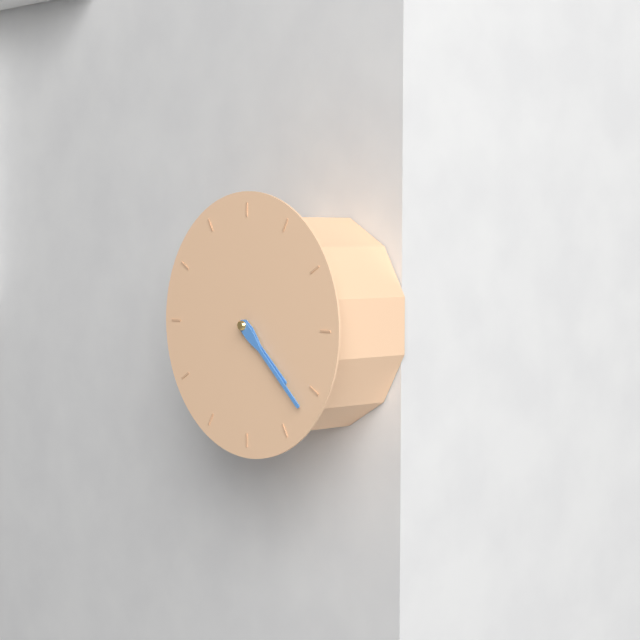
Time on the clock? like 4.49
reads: 4.22
